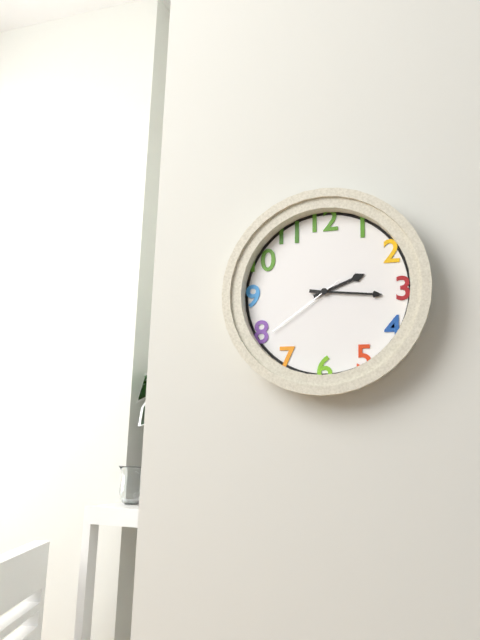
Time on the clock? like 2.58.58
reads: 2.16.39
